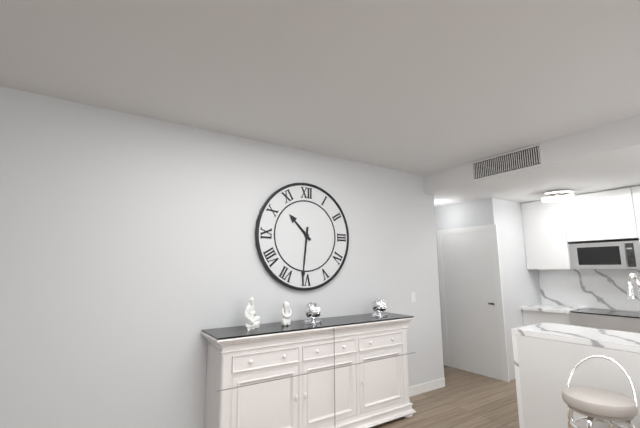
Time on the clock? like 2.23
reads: 10.31
